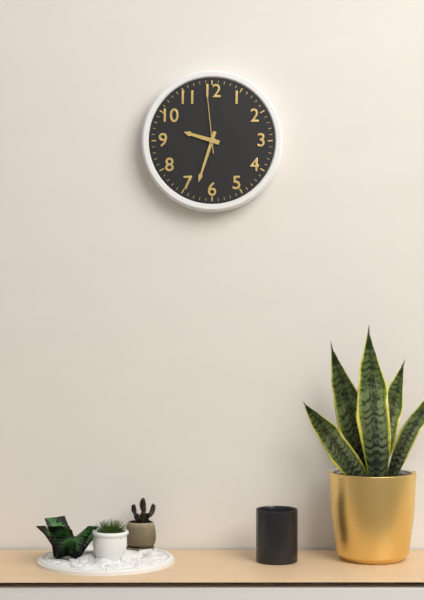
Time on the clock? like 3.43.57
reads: 9.33.59
